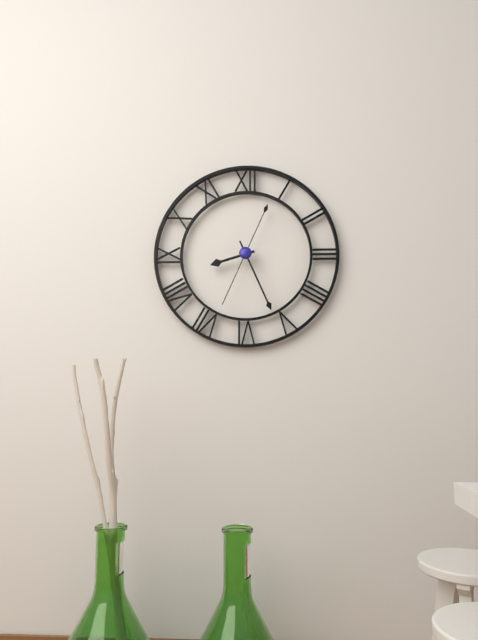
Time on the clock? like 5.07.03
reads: 8.26.34
